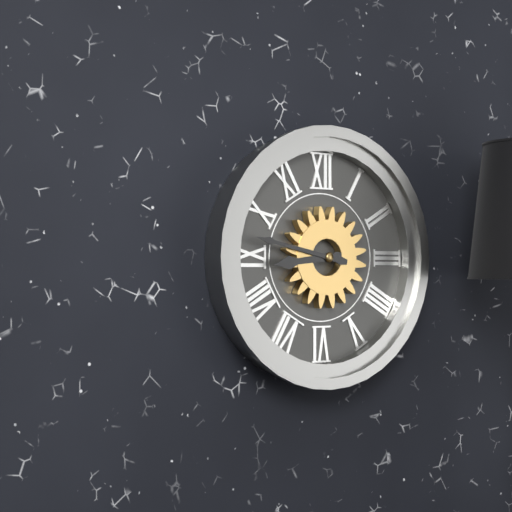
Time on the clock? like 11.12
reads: 8.47
